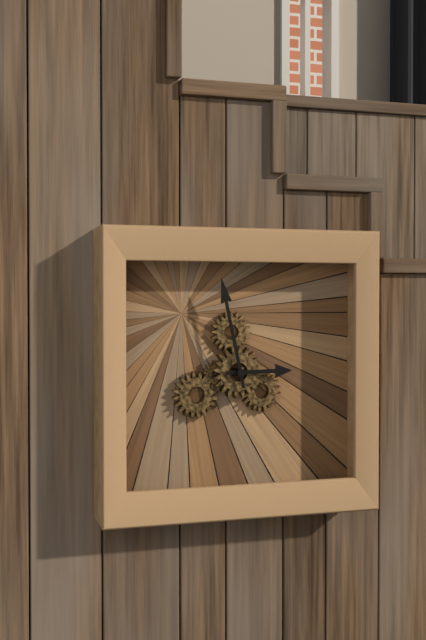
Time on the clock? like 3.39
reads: 2.58
